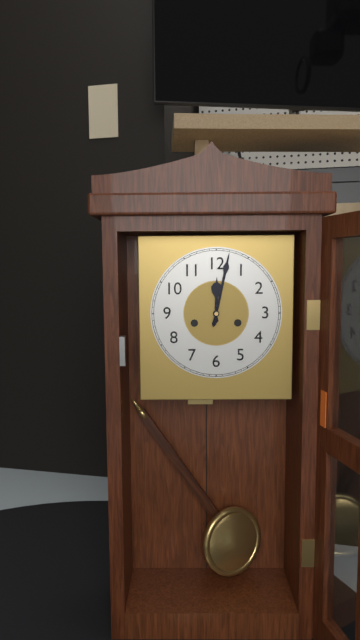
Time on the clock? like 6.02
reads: 12.02
